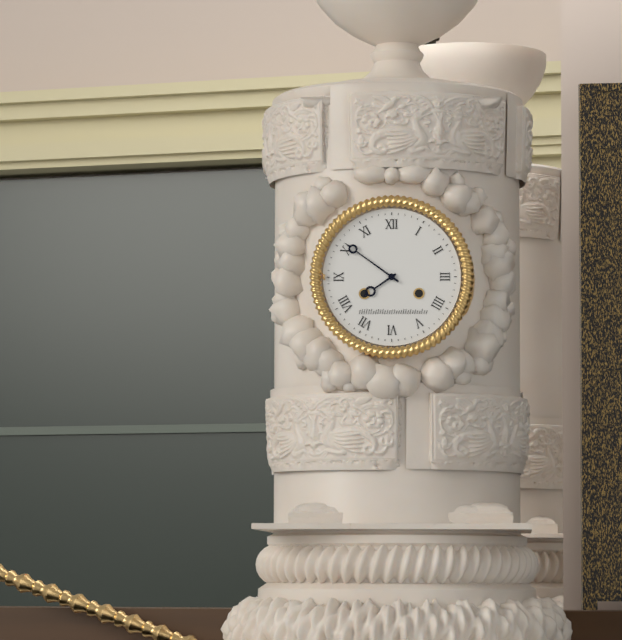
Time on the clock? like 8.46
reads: 7.51
